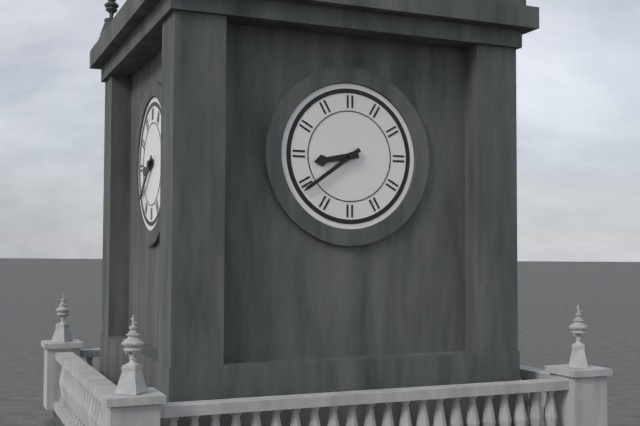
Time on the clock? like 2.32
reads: 8.39
